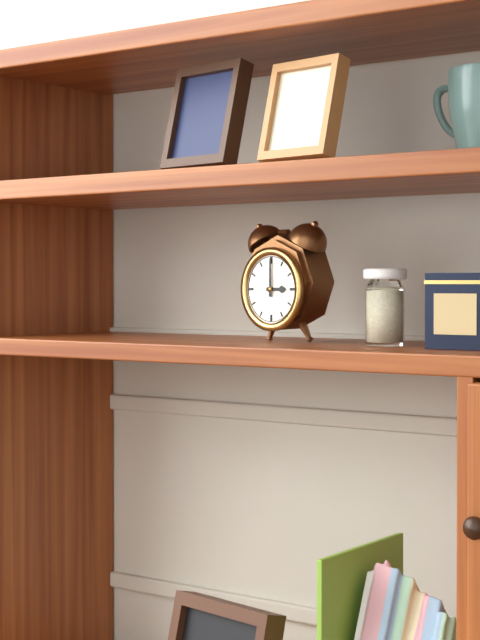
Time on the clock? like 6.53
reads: 3.00
